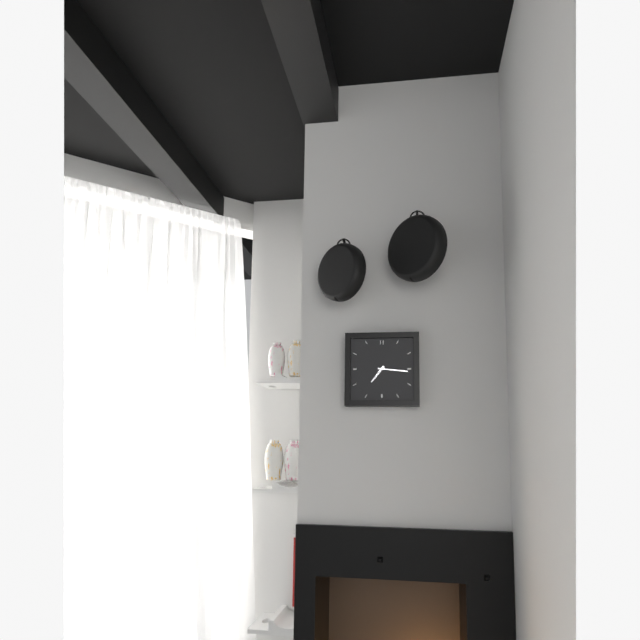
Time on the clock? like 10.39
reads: 7.16
